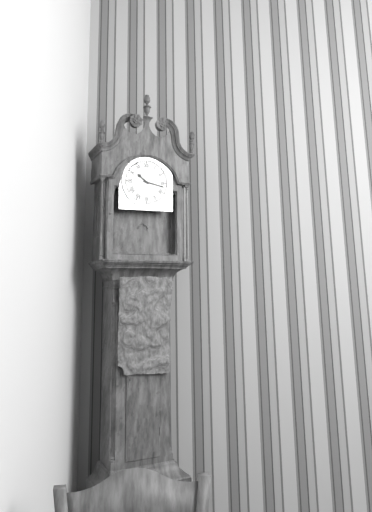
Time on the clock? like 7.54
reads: 10.17
